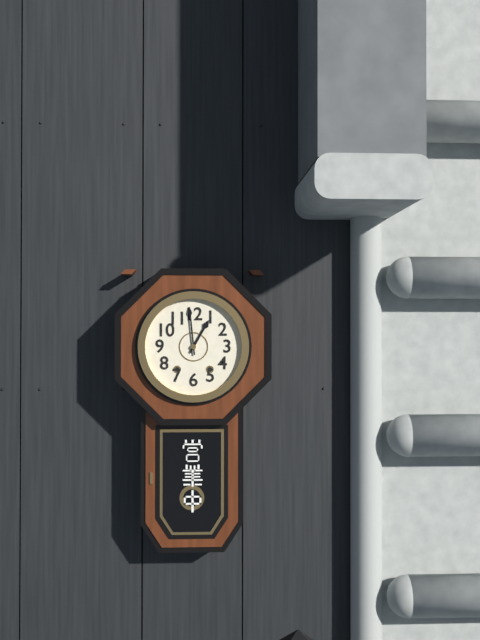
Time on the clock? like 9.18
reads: 12.59
